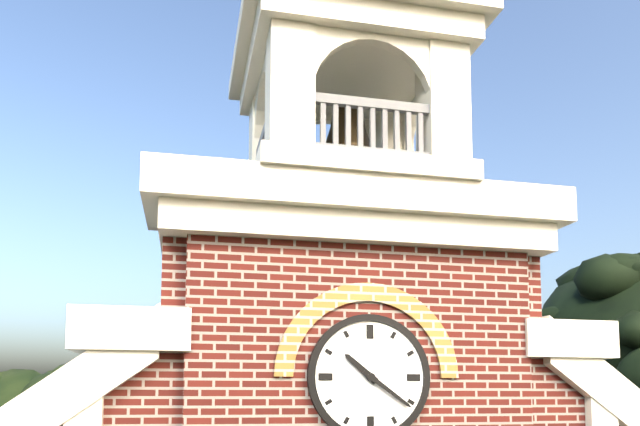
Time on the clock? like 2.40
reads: 10.21
